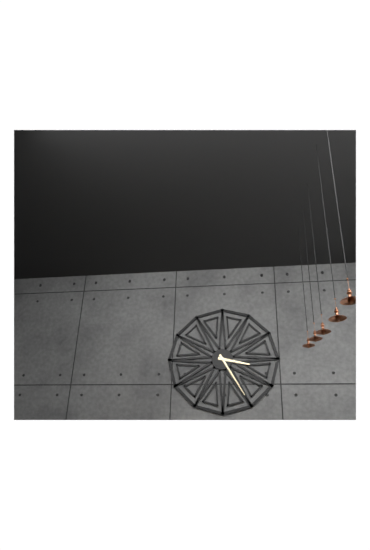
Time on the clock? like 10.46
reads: 3.25
